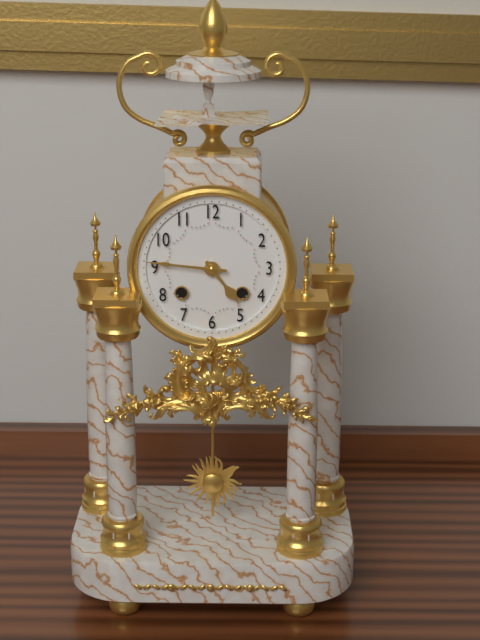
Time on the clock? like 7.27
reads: 4.46
